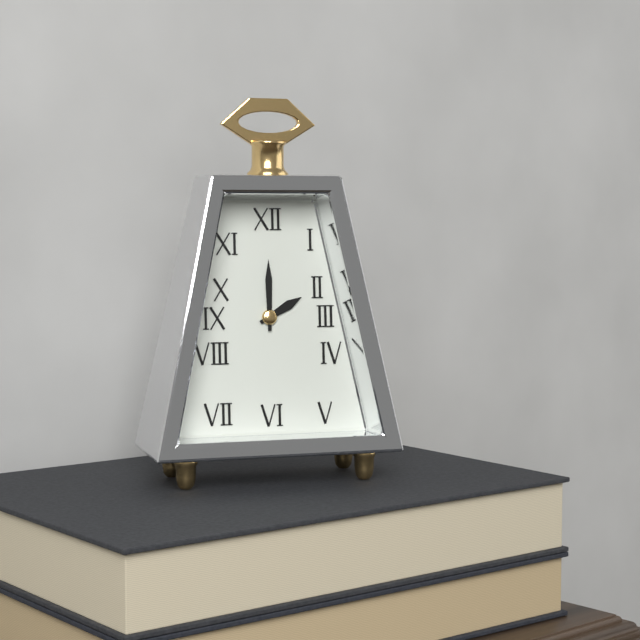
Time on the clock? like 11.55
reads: 2.00
